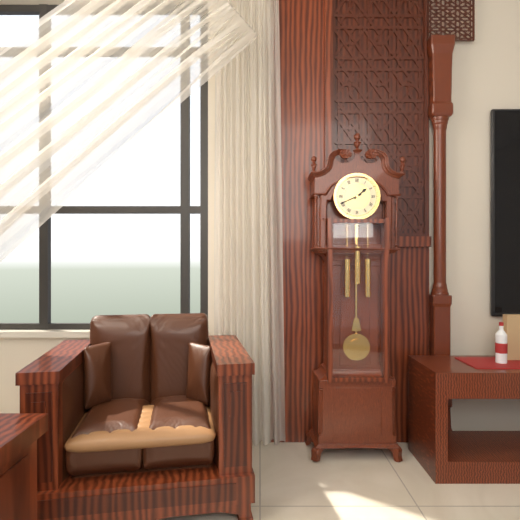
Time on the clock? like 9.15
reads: 1.41
